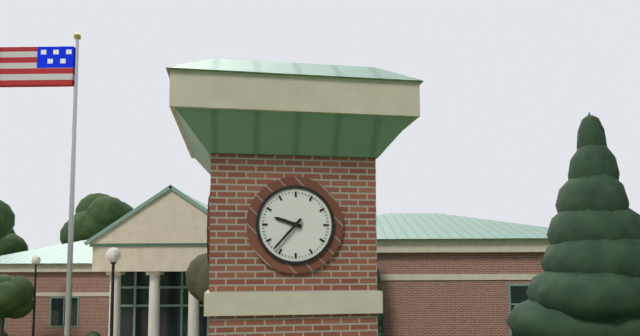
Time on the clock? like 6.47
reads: 9.37
